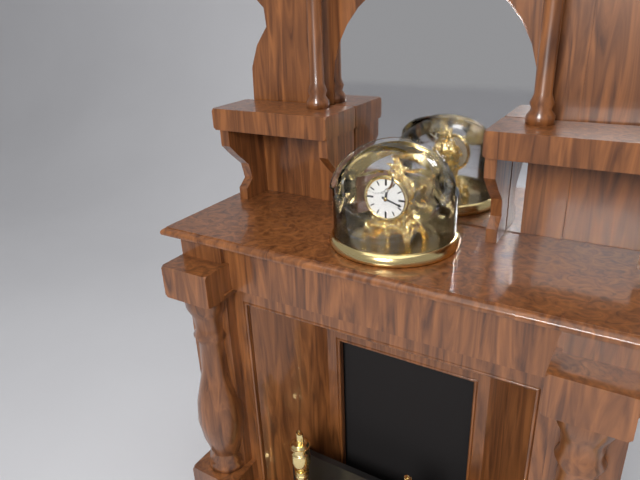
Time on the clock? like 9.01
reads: 12.18
